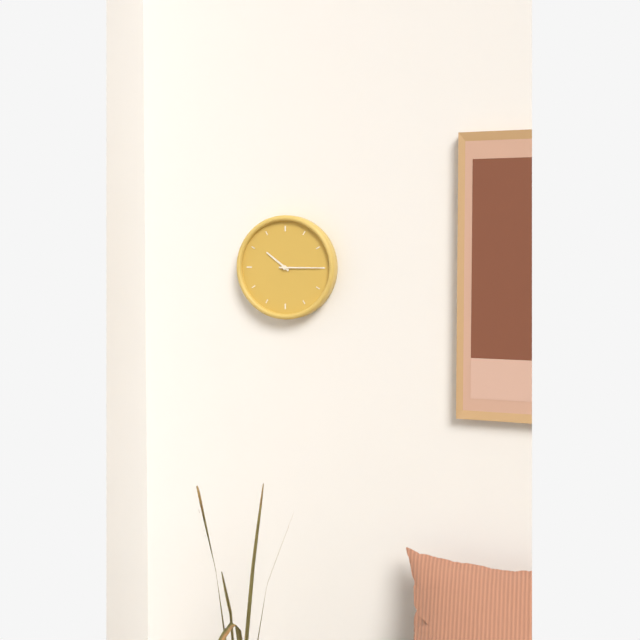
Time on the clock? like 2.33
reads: 10.15
